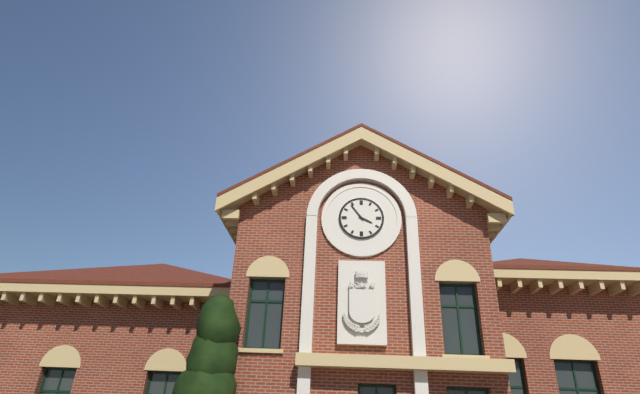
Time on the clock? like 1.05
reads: 3.54
